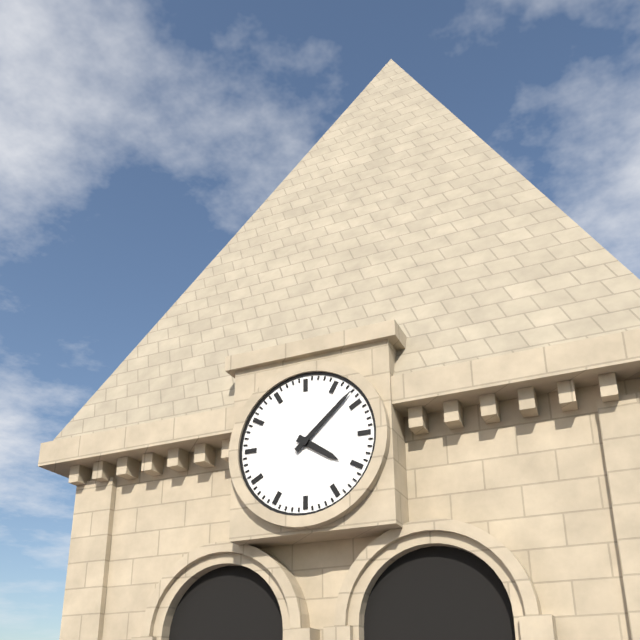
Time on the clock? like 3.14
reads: 4.08
